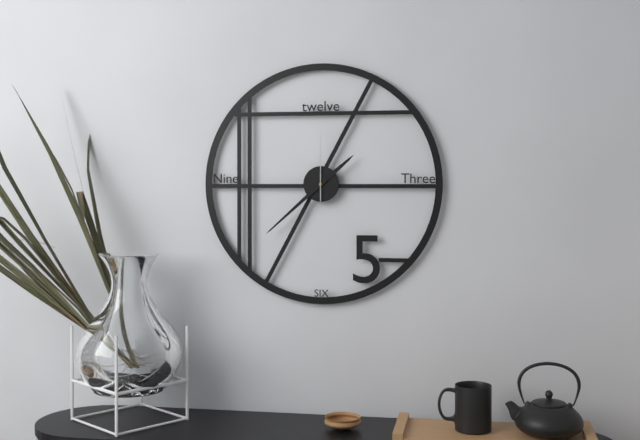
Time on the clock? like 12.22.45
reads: 1.38.00
